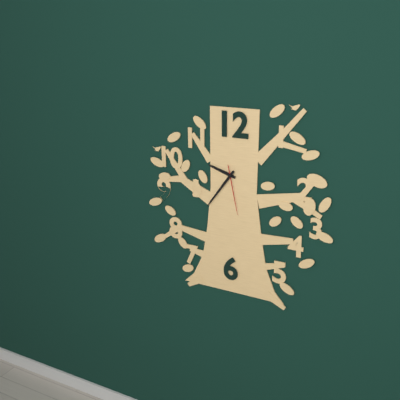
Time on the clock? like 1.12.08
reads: 9.36.28
